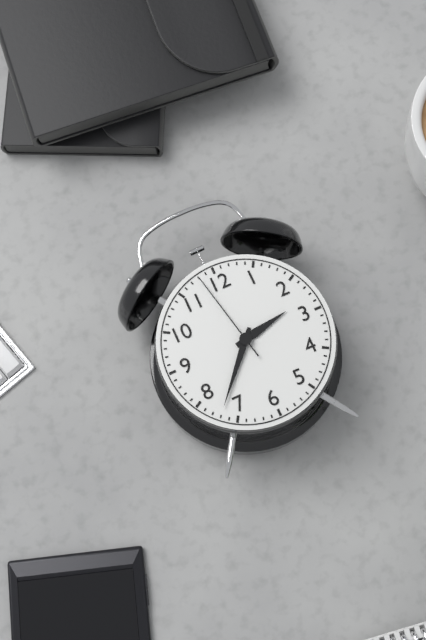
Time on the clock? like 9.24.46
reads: 2.37.58
